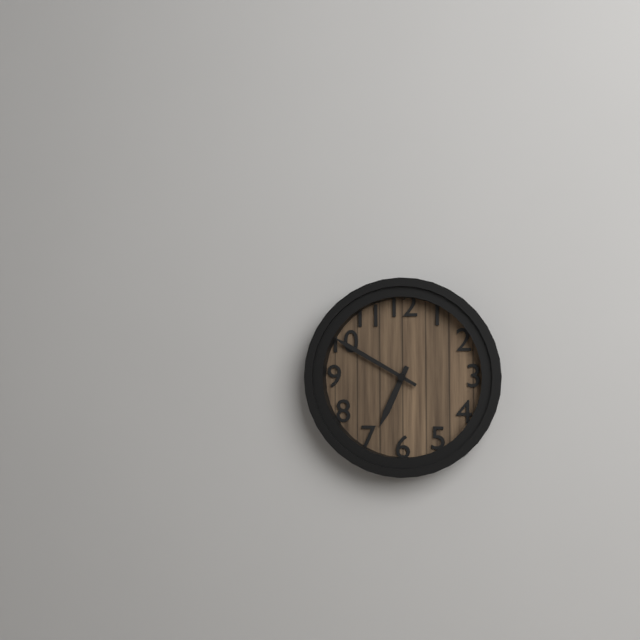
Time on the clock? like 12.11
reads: 6.50
